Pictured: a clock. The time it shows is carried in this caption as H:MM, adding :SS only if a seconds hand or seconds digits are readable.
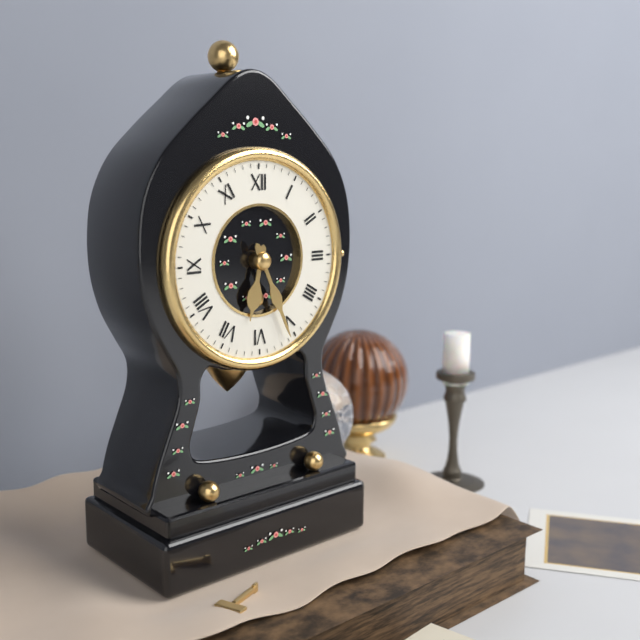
6:26
